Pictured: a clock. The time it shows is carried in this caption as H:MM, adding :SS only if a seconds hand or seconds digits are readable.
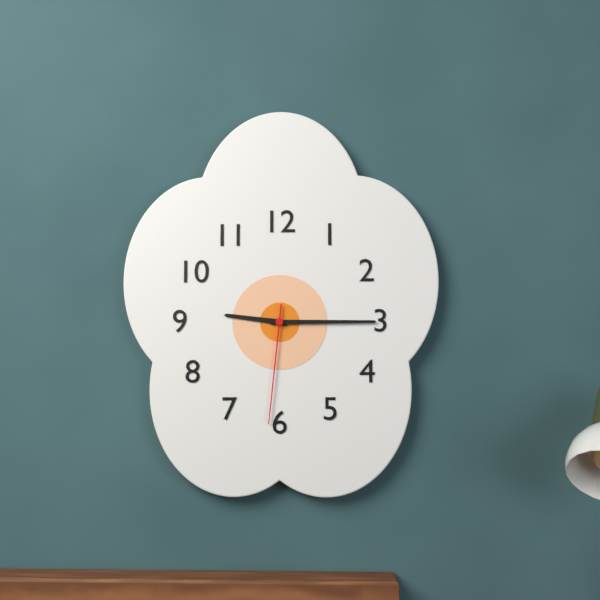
9:15:31
